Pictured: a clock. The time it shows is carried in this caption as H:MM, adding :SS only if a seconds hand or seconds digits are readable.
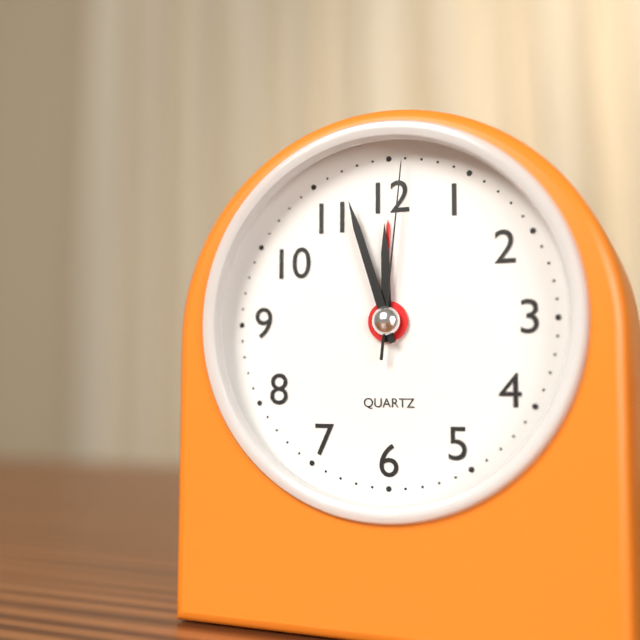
11:57:01
